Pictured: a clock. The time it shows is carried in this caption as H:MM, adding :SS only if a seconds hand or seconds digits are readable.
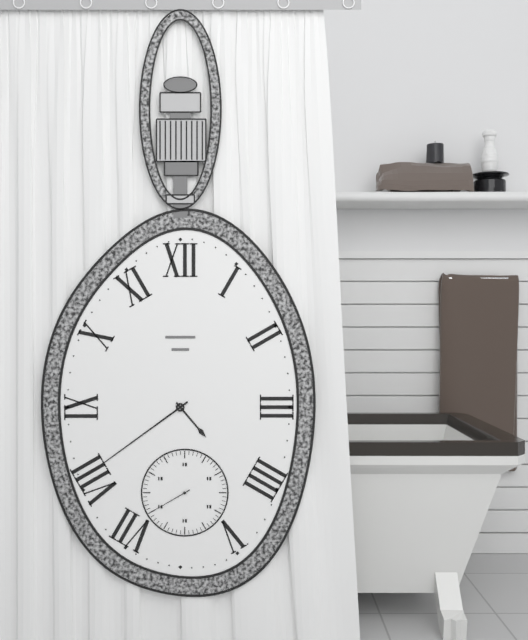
4:39
